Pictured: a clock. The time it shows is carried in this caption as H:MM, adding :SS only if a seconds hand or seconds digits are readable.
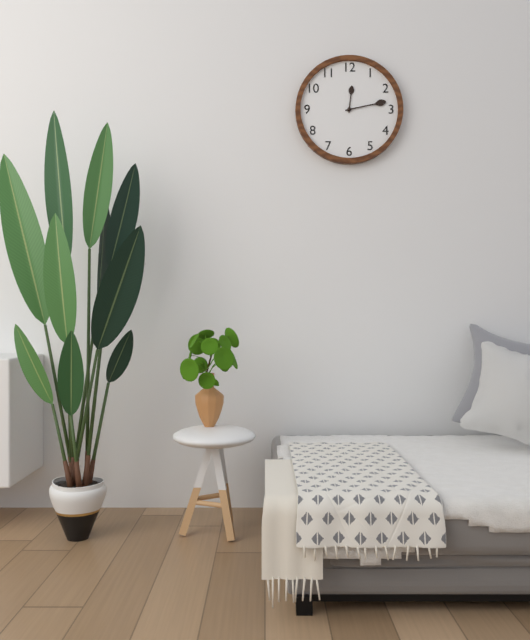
12:13
